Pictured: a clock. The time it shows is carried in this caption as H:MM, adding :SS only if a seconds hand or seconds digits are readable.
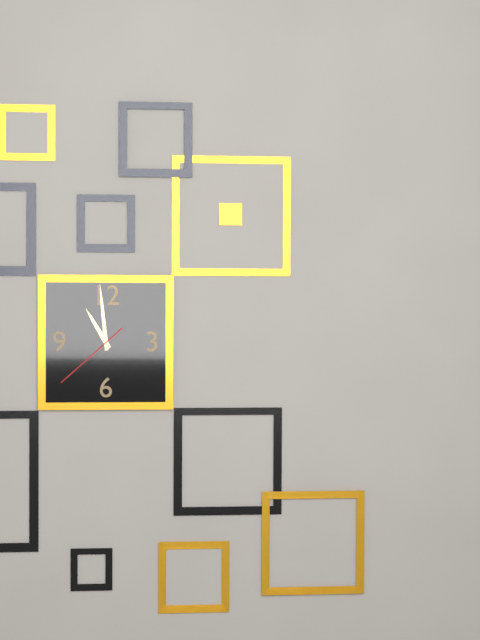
10:59:38
